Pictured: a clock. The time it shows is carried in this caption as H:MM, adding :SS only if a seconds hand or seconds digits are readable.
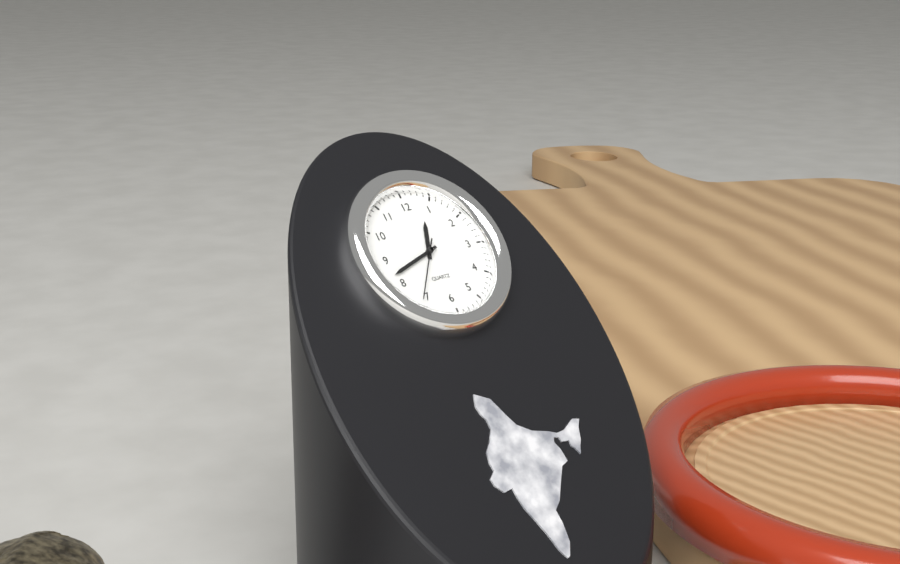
12:42:36
